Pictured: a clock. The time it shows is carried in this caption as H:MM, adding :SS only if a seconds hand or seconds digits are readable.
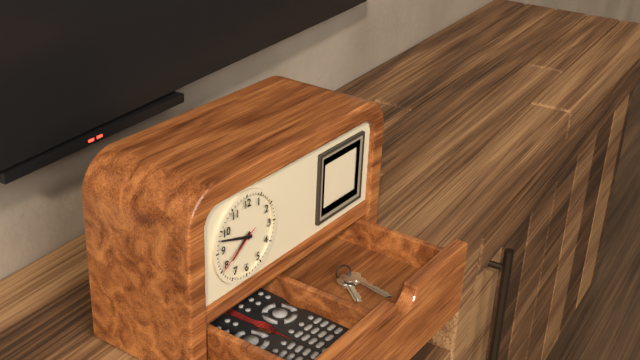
7:48:40
